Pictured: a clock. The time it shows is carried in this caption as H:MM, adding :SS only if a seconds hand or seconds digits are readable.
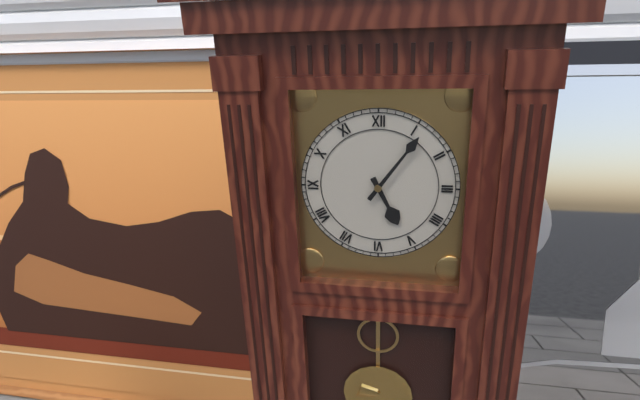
5:06
